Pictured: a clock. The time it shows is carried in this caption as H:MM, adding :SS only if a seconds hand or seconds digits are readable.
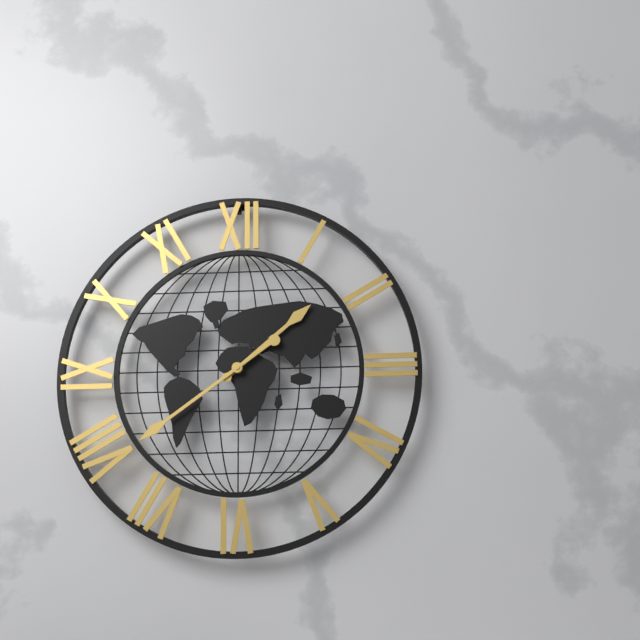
1:39
